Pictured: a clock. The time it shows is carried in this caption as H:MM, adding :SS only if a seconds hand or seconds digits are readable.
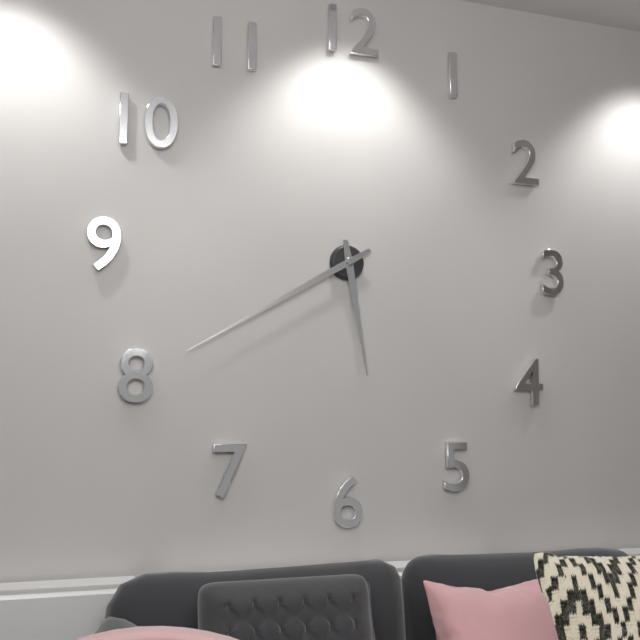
5:40
